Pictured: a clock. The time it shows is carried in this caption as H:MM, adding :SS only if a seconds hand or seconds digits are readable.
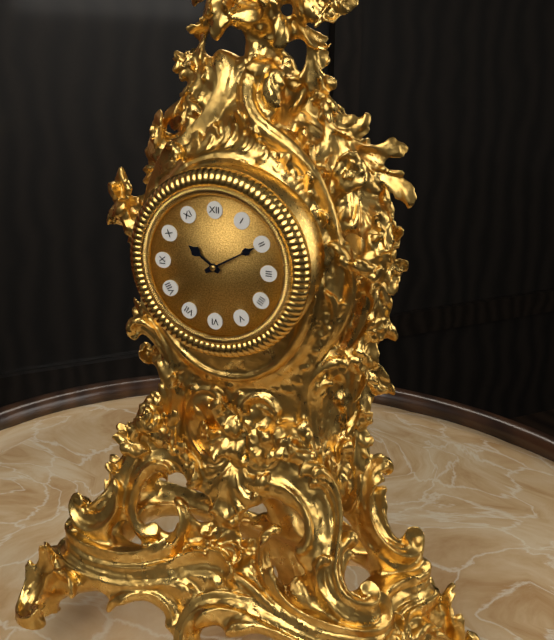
10:10
